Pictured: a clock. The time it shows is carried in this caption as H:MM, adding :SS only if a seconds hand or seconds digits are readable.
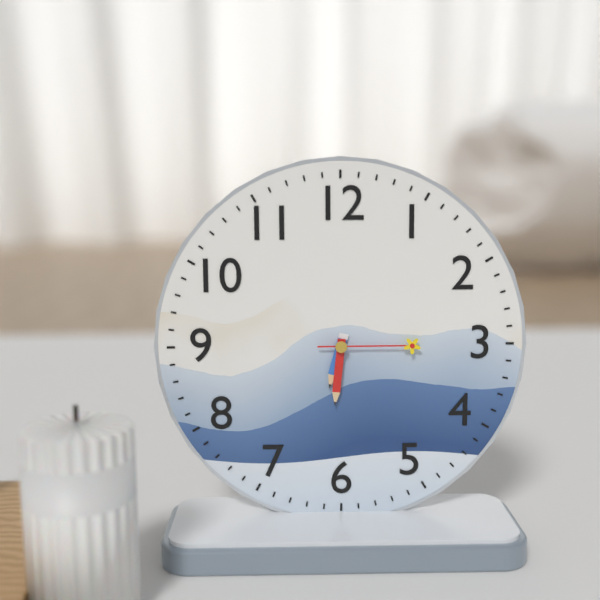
6:31:15
